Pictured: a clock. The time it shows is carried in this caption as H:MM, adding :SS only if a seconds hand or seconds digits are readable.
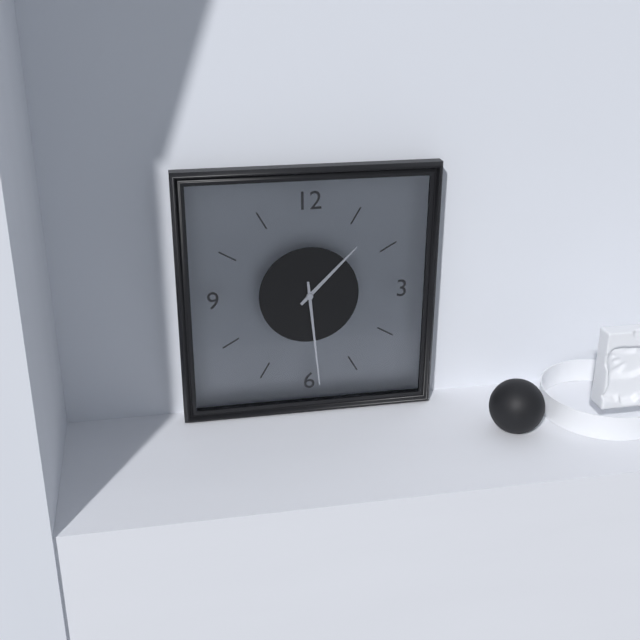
1:29
